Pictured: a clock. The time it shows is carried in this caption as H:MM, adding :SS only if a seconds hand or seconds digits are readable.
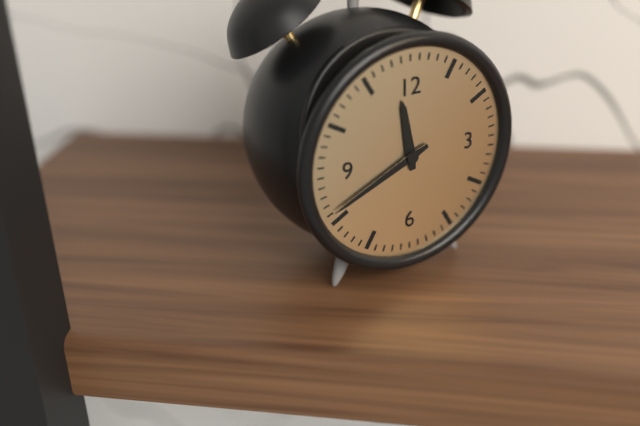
11:41
